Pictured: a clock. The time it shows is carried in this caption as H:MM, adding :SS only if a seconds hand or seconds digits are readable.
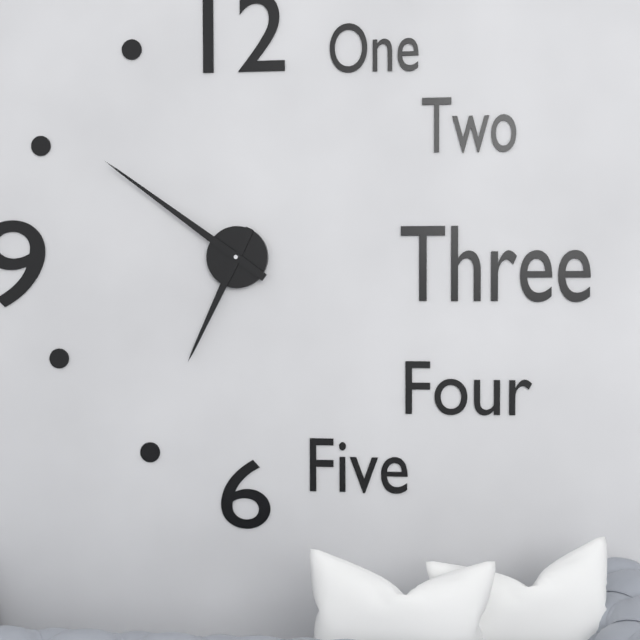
6:51
